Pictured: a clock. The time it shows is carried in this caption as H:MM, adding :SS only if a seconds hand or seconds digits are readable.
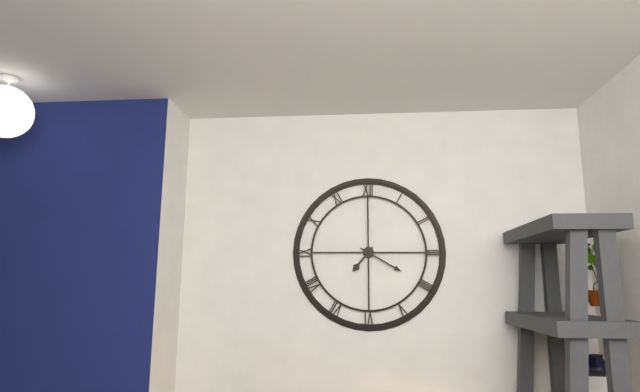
7:20
